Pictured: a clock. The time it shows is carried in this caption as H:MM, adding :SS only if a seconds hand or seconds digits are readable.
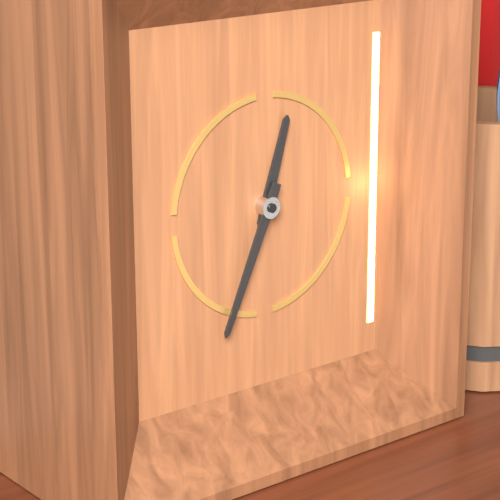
12:34
